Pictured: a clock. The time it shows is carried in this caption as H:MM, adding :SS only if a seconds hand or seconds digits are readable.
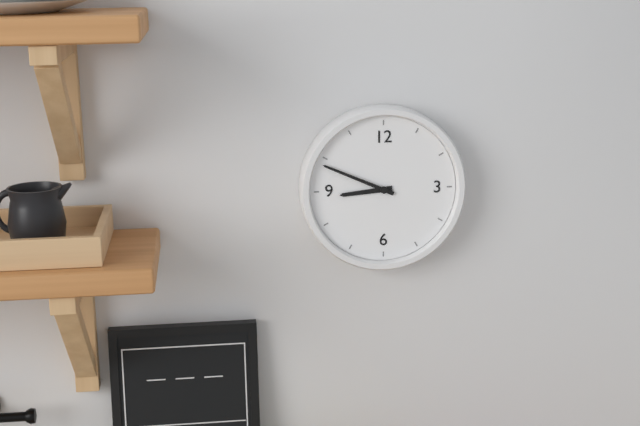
8:49
